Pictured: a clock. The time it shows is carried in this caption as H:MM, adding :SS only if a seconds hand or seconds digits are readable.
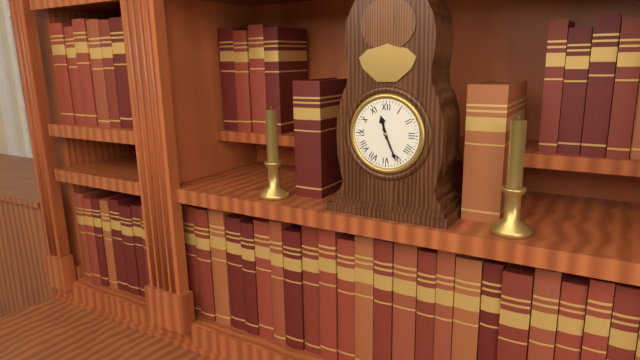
11:26
